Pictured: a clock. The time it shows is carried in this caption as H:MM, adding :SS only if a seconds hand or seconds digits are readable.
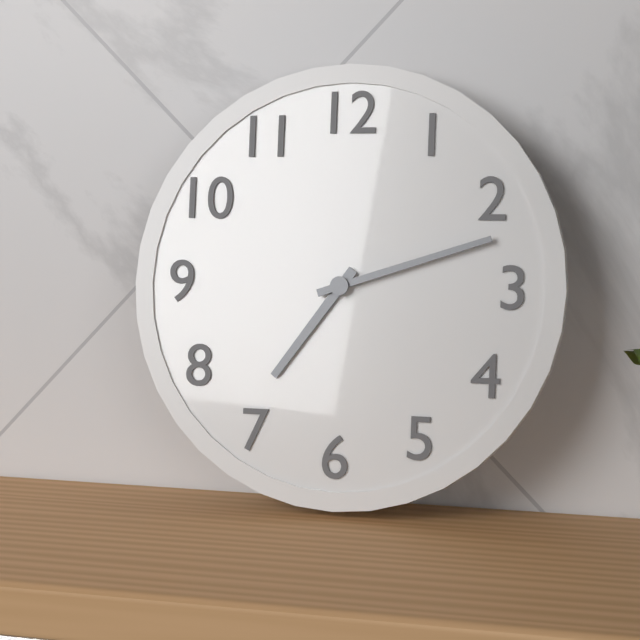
7:12
